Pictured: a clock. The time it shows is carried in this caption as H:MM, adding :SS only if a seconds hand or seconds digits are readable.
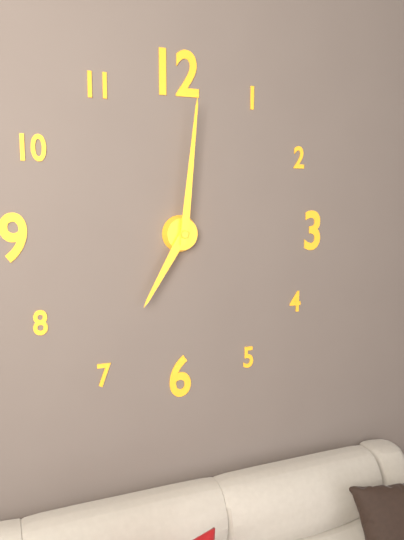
7:01
